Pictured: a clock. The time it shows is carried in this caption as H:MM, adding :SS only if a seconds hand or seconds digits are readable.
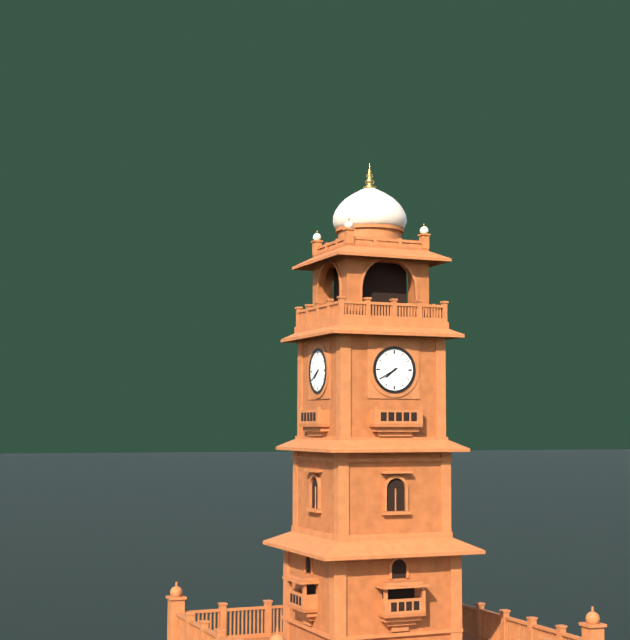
7:40
